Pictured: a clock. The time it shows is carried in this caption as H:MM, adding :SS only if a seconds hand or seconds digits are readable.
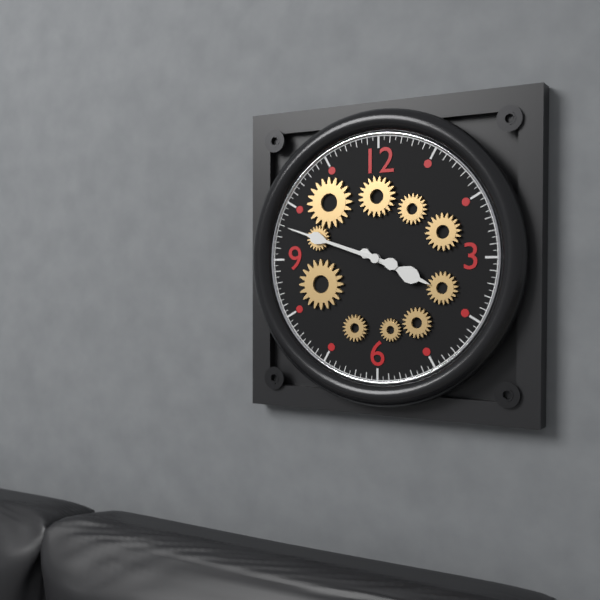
3:48
